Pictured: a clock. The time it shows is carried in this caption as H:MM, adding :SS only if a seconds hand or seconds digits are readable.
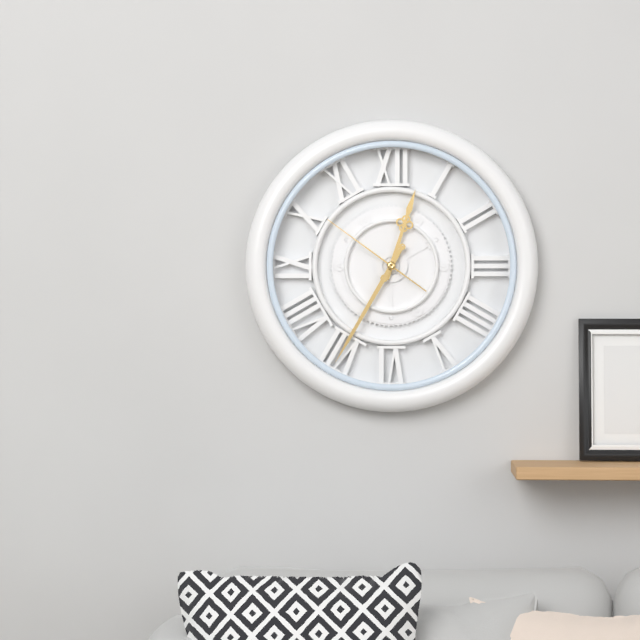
12:35:51
